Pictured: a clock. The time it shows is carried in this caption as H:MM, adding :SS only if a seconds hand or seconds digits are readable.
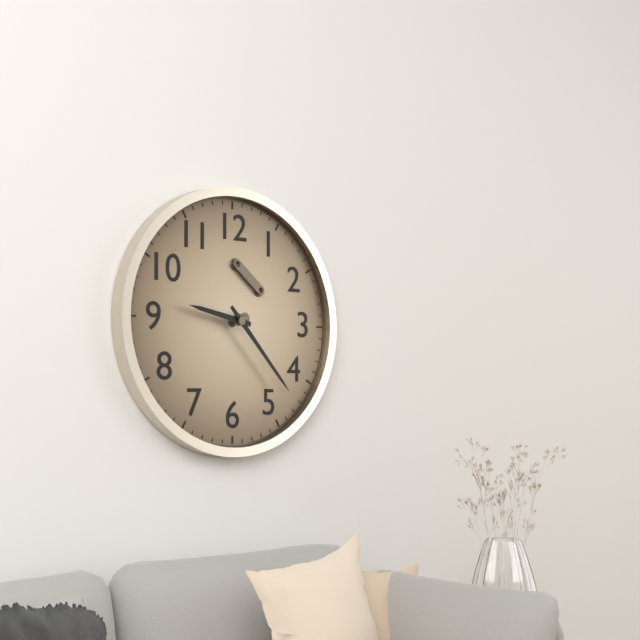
9:23
